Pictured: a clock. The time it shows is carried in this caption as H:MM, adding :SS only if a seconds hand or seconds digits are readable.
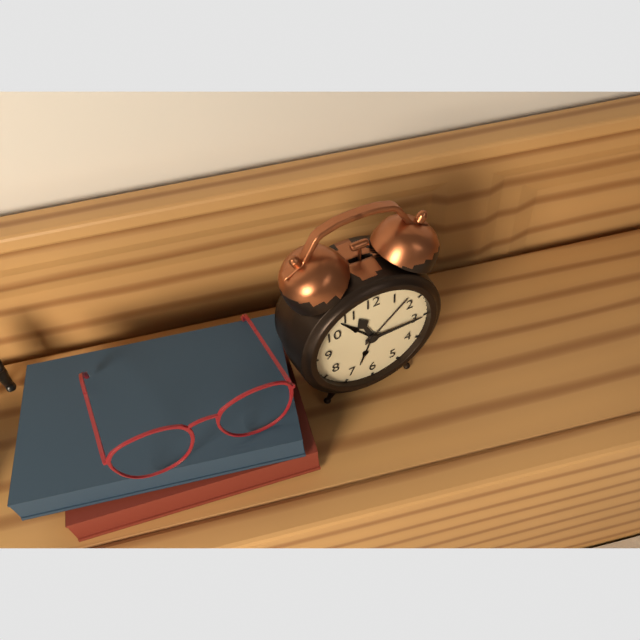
11:15
